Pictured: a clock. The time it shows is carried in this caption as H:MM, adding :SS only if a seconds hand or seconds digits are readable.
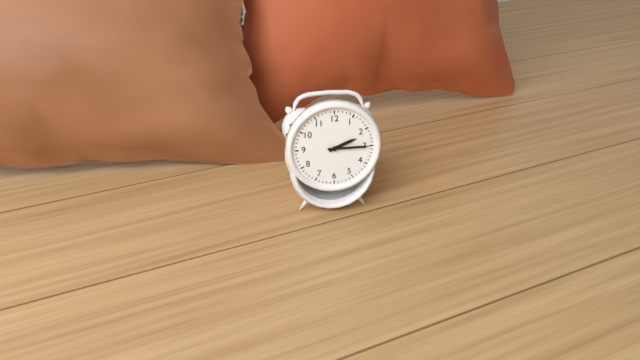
2:15
